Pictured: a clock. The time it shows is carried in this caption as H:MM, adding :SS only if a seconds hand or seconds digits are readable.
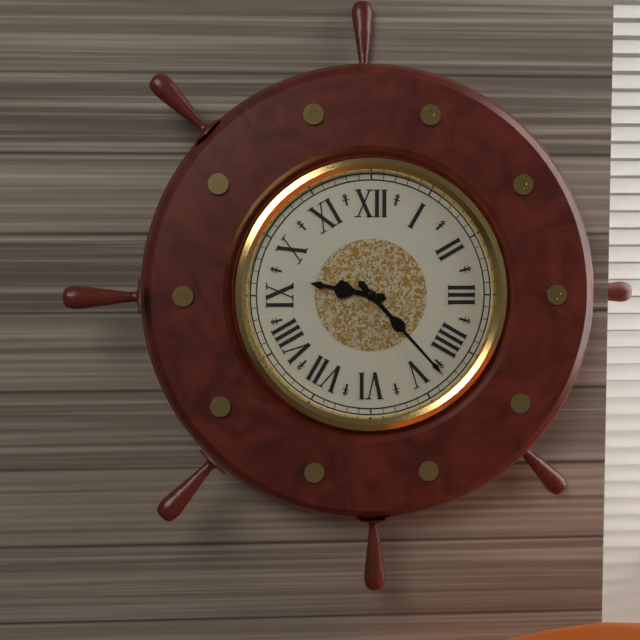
9:23
